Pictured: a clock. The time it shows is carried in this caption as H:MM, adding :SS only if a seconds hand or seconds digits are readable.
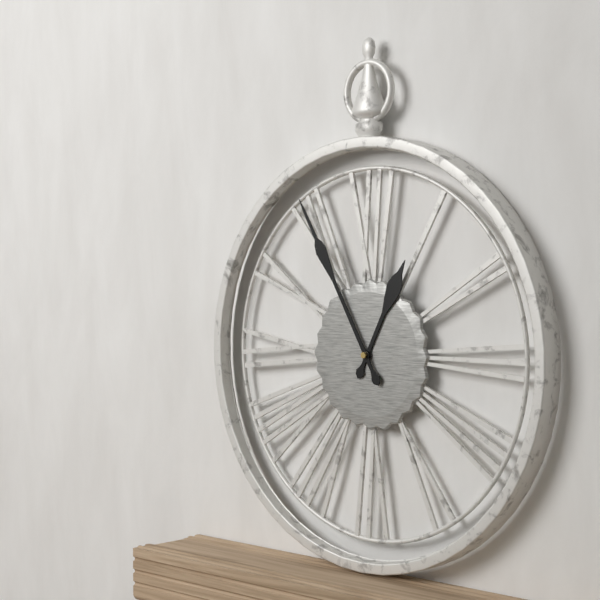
12:55
